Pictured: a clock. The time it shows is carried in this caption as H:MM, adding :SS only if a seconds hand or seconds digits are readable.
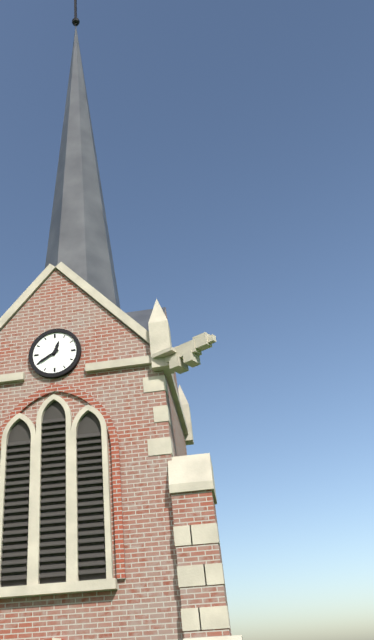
12:40
